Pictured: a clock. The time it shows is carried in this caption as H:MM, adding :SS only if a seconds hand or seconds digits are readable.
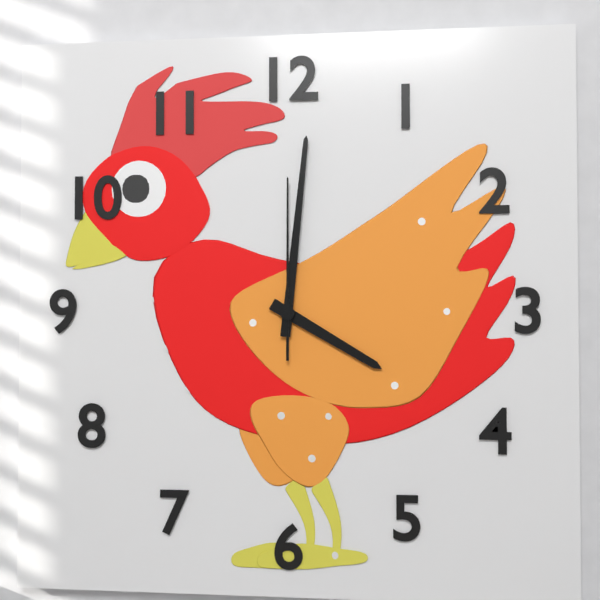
4:01:00
